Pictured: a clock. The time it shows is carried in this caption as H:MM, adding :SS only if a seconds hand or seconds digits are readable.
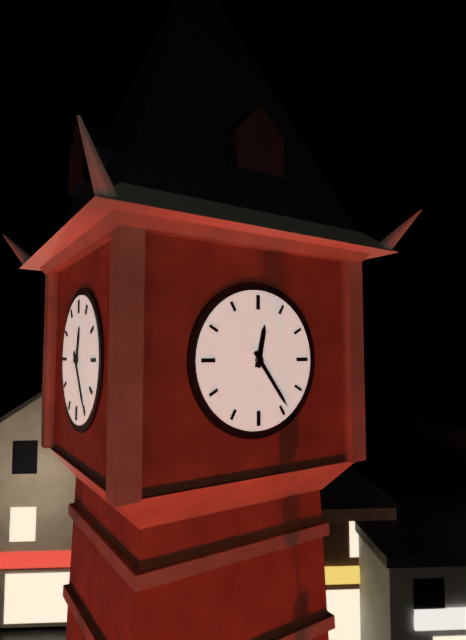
12:24
